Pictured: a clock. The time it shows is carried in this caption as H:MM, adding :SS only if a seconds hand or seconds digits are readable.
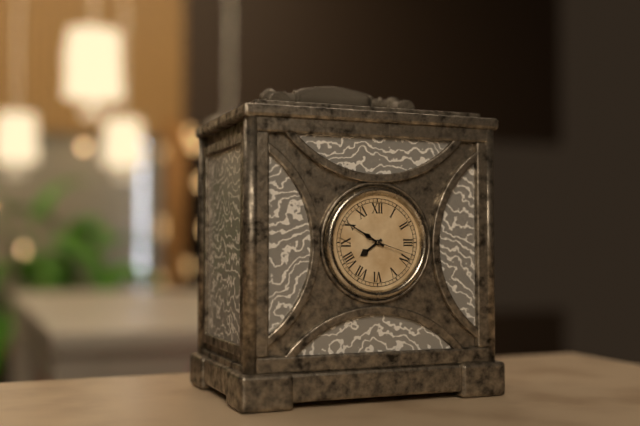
7:50
